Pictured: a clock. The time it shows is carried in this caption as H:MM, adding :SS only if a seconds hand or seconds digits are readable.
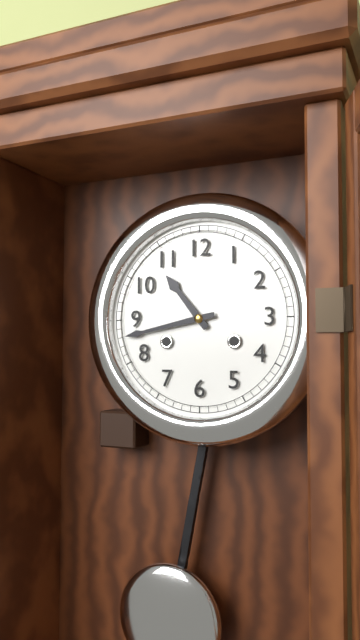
10:43
